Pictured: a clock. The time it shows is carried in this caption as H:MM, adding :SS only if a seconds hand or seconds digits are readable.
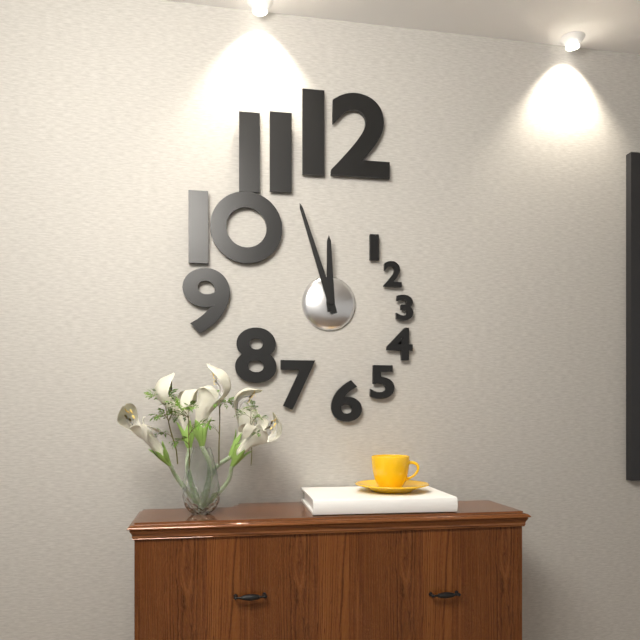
11:57
